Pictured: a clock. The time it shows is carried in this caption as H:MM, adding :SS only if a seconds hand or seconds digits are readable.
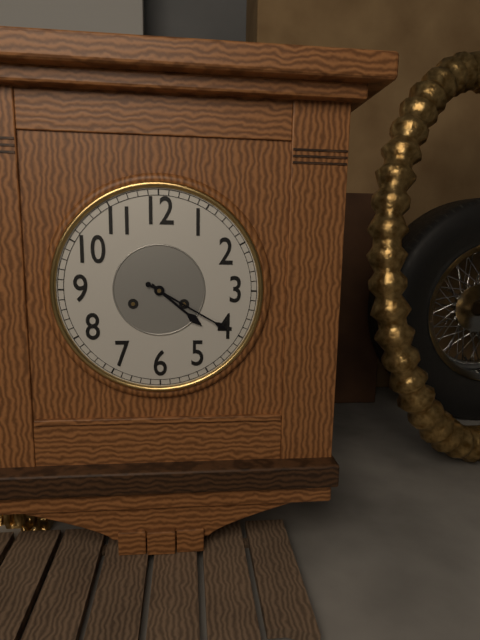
4:20
